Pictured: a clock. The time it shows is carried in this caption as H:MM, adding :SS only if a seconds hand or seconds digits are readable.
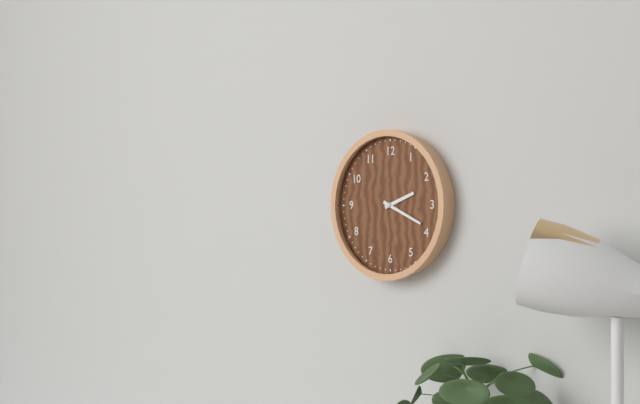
2:19
